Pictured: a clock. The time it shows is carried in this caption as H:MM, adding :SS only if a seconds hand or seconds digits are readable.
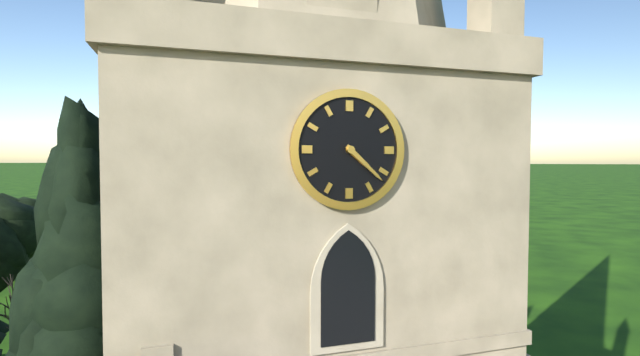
4:22
